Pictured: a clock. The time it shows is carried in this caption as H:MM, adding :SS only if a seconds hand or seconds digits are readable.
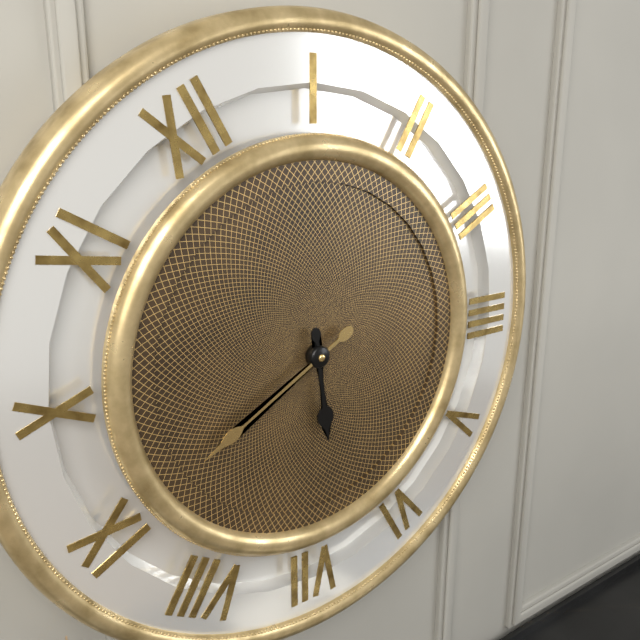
6:45
